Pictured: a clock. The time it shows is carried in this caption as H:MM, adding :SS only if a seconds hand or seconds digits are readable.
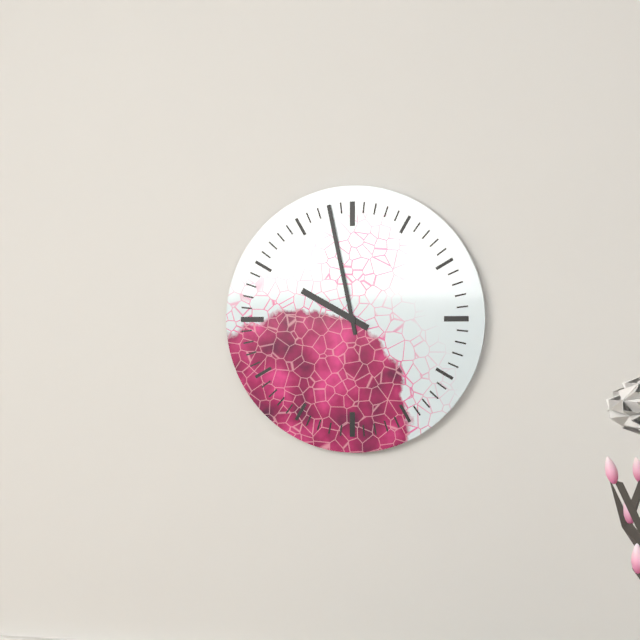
9:58
